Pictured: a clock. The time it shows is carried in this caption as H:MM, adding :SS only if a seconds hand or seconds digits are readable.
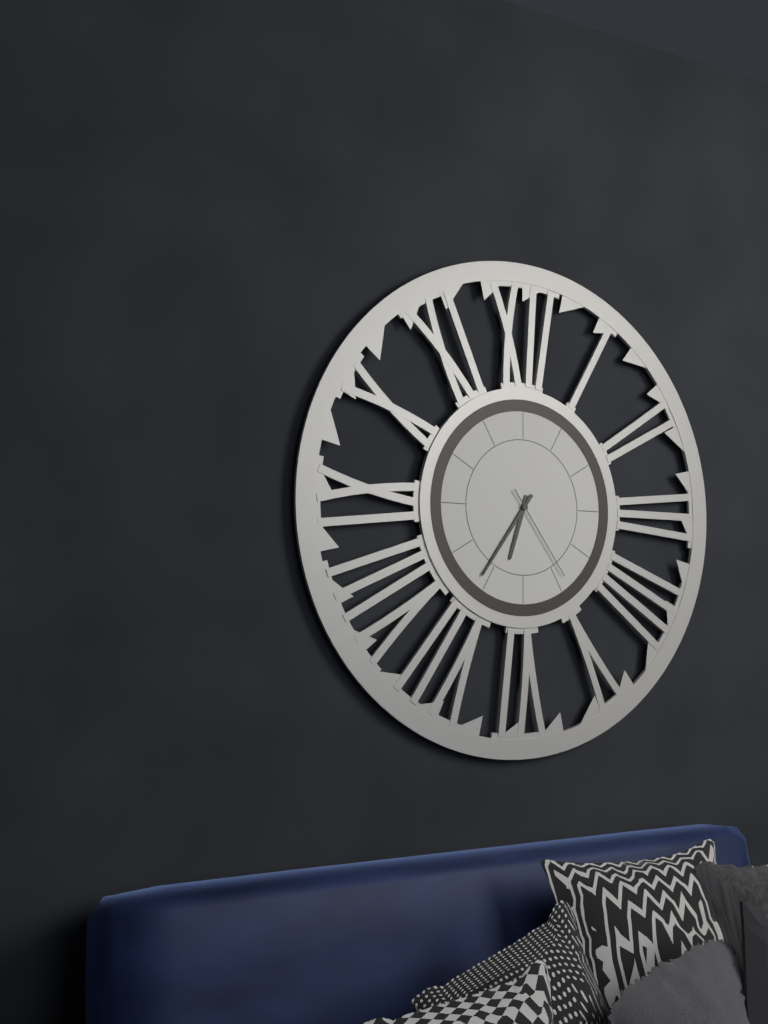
6:36:24
